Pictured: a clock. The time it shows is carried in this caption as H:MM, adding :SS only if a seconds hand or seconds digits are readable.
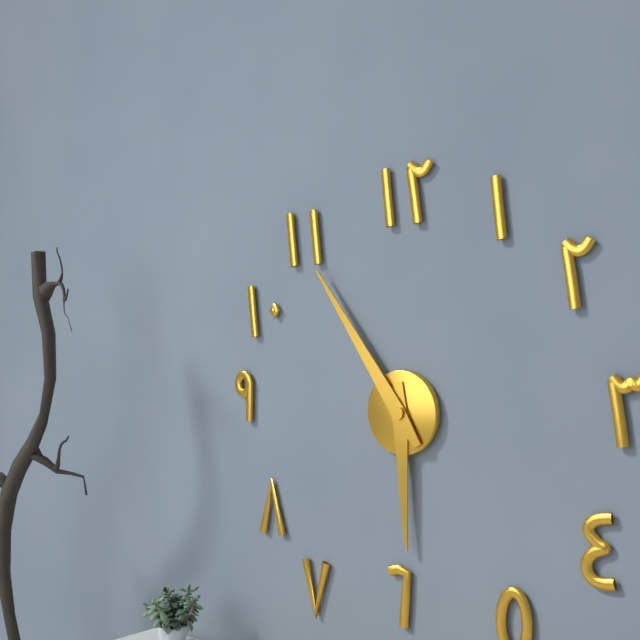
5:54
